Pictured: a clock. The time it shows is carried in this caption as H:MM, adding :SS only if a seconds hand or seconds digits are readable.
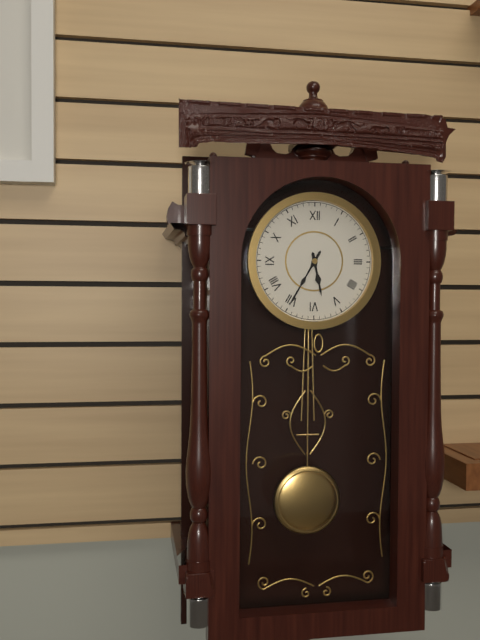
5:35
